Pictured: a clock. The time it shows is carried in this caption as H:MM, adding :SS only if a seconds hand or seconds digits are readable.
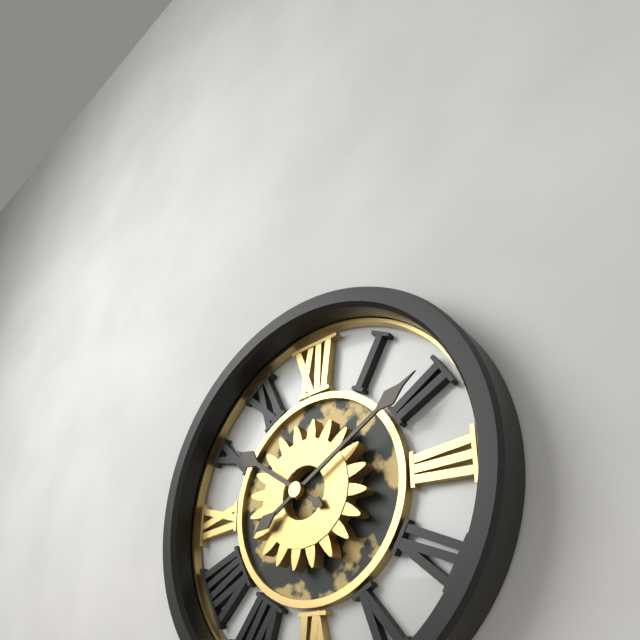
10:10
